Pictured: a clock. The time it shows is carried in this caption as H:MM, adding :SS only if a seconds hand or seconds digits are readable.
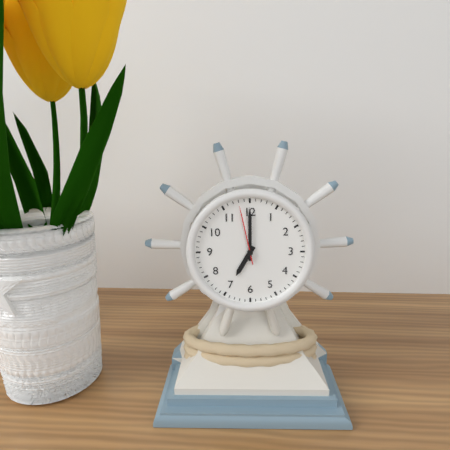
7:00:58
